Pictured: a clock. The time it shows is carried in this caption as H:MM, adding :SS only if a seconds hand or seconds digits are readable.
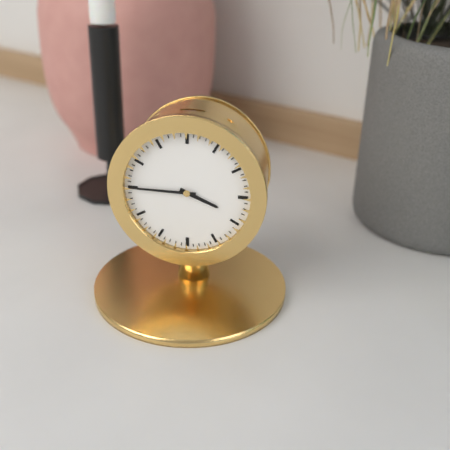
3:45
